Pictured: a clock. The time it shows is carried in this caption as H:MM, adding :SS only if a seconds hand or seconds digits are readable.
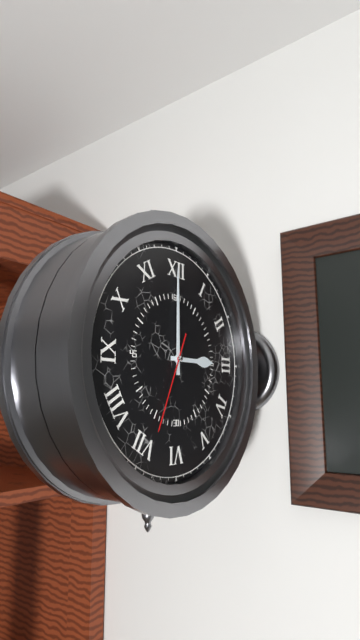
3:00:34
